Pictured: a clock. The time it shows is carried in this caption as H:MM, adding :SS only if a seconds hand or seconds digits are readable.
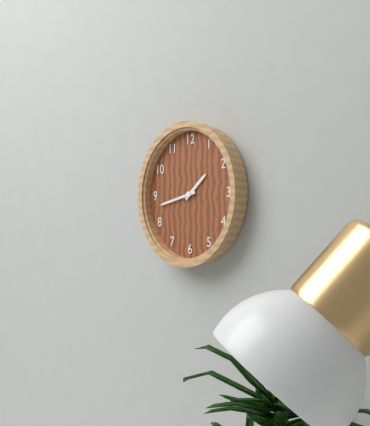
1:43
